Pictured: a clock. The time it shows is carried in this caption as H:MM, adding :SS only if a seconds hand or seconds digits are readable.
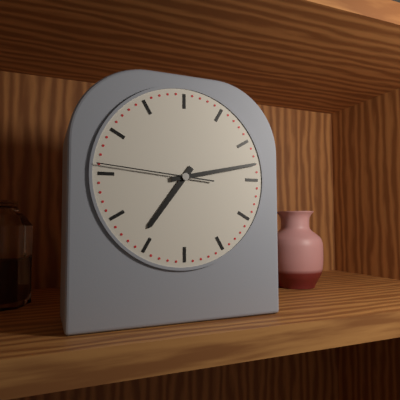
7:13:46
